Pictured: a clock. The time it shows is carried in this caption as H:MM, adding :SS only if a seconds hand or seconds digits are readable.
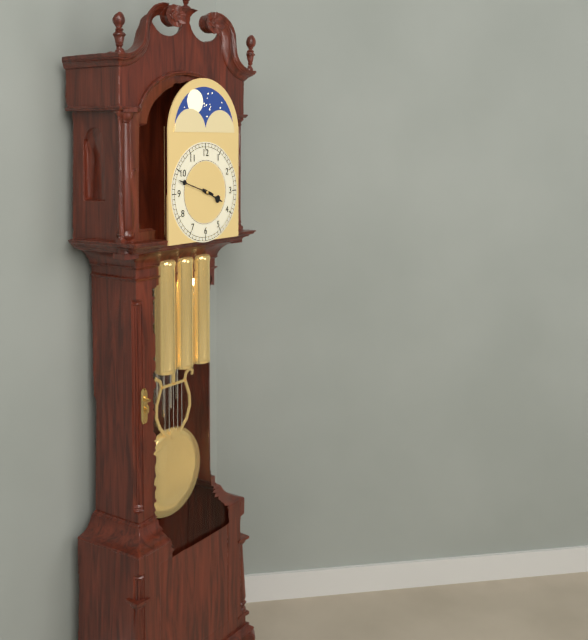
3:48
